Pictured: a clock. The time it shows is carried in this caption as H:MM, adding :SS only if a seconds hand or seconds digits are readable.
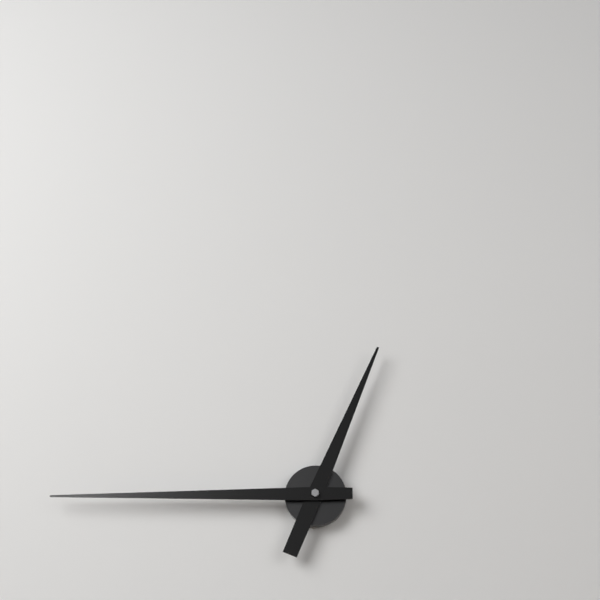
12:45
